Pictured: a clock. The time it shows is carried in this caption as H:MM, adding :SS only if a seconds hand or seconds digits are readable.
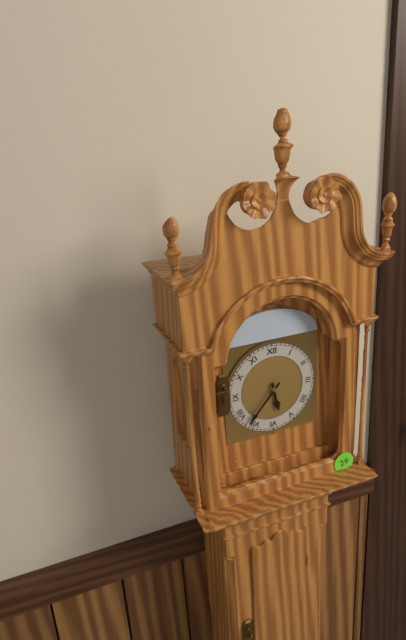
5:37
